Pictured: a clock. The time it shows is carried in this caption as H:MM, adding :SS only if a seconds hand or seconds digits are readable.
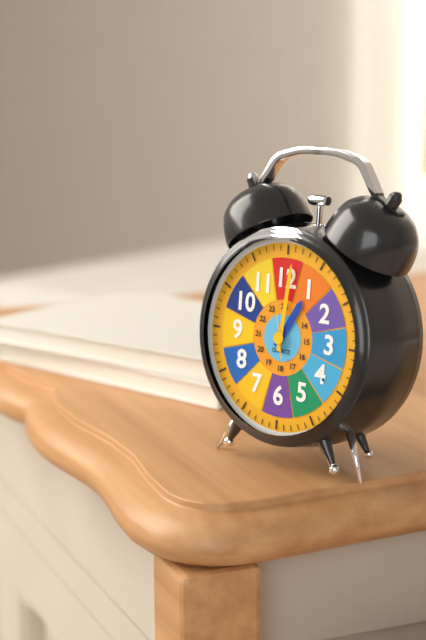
1:01:58
